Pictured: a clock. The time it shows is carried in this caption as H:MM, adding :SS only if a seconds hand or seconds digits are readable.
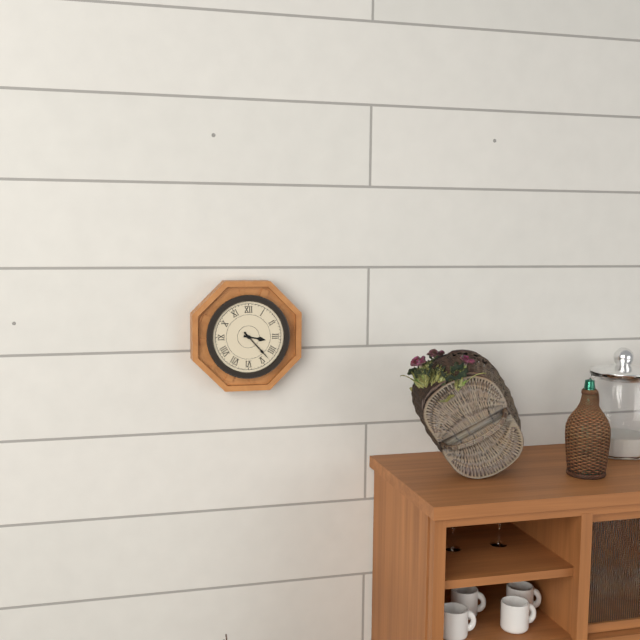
3:23
